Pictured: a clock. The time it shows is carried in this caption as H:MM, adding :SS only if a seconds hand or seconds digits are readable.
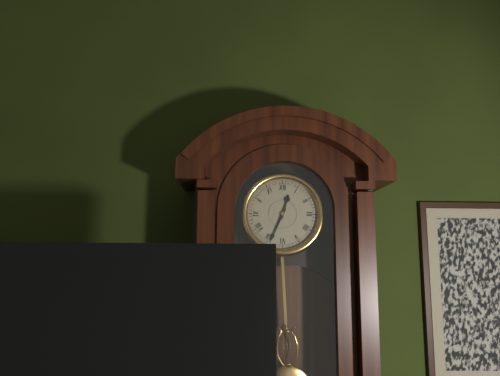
12:34
